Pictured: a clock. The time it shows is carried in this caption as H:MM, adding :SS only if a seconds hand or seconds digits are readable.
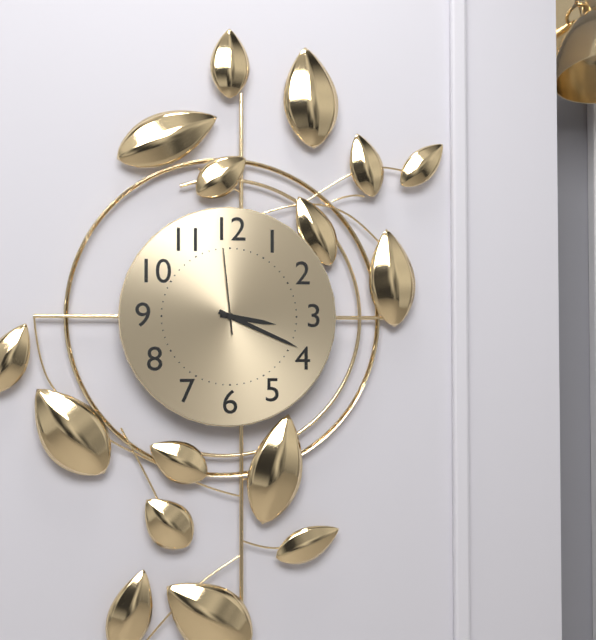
3:19:59
